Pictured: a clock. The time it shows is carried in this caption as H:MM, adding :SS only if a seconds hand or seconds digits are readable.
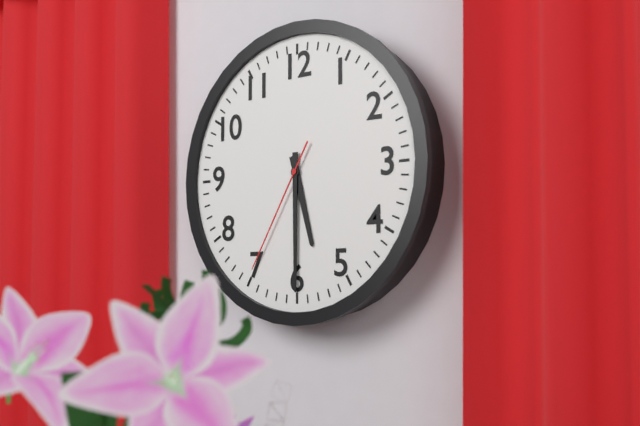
5:30:35
